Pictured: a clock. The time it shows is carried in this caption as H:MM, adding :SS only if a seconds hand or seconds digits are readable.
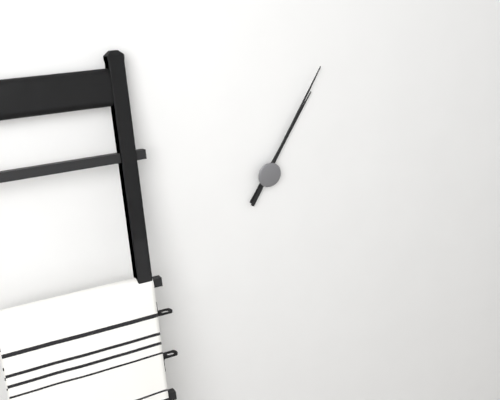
1:05
